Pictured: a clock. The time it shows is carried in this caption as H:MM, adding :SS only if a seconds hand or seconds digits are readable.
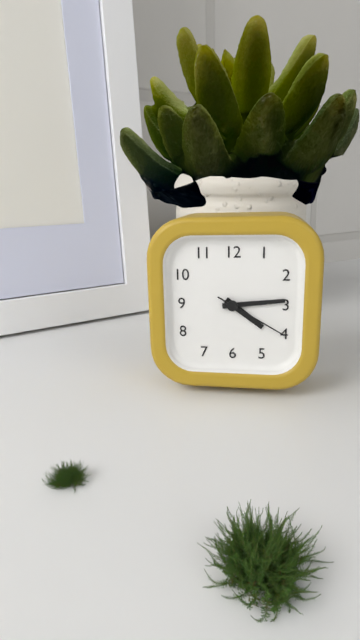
4:14:20
